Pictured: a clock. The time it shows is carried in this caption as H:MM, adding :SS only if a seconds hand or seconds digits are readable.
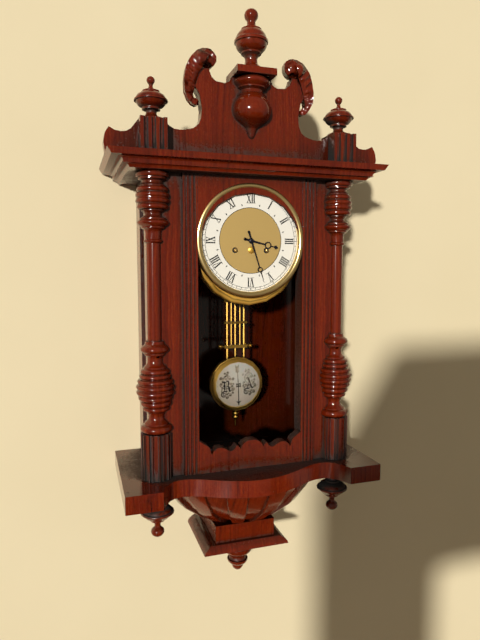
3:27
